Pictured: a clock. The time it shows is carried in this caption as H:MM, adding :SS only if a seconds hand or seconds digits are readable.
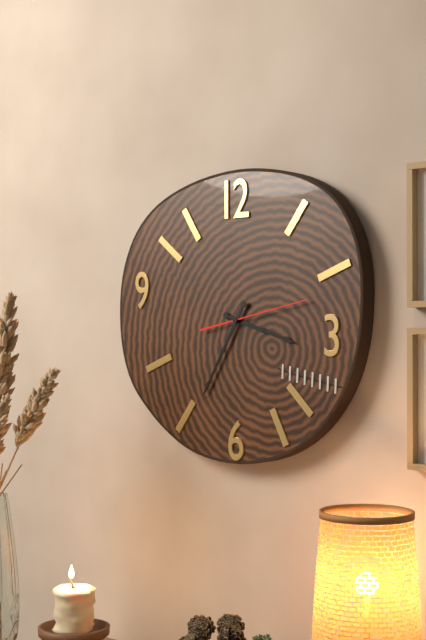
3:35:13
